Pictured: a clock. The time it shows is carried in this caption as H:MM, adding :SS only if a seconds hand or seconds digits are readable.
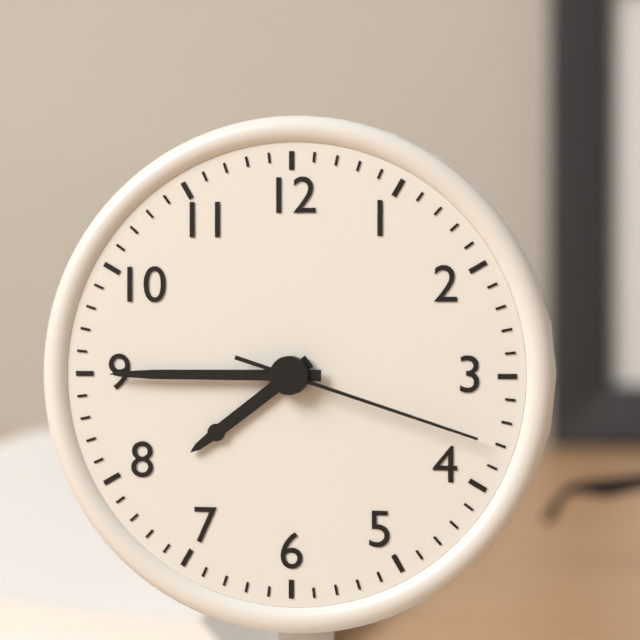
7:45:18
